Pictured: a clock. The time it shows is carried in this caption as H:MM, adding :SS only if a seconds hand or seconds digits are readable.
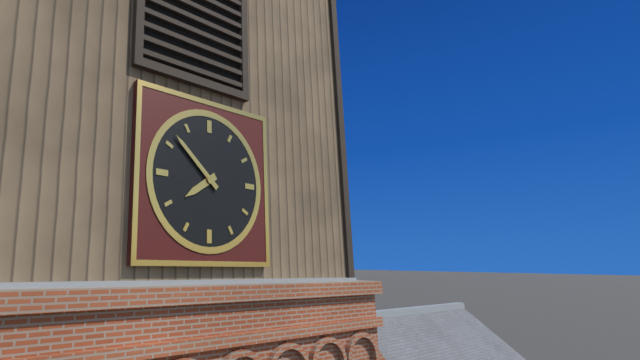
7:52
